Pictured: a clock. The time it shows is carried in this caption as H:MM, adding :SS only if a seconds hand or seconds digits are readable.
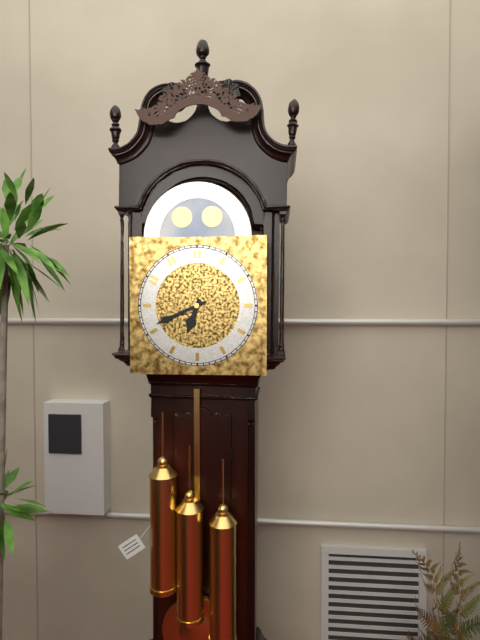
6:41
